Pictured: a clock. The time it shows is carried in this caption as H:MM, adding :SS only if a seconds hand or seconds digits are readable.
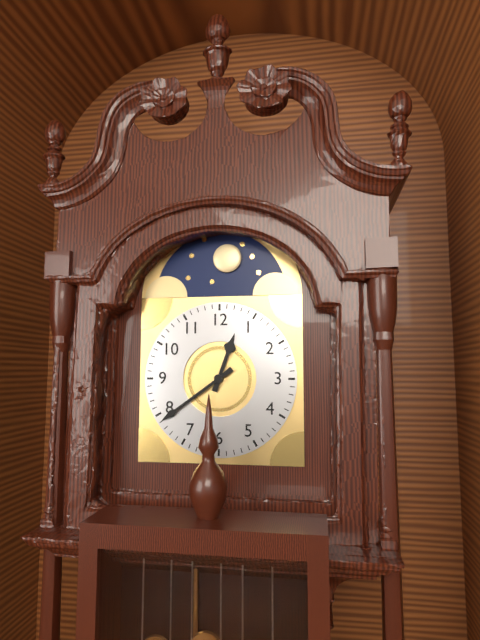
12:39
